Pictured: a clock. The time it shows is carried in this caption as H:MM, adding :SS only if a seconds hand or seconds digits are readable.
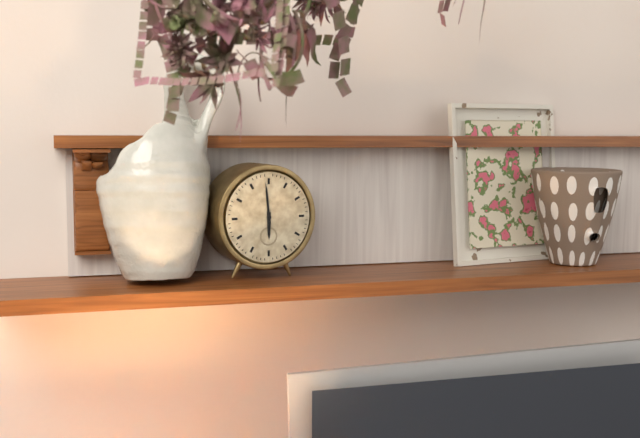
5:59
